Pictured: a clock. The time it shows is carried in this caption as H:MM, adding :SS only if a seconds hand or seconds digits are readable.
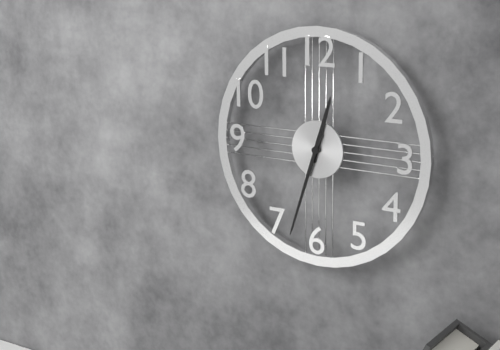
12:33
